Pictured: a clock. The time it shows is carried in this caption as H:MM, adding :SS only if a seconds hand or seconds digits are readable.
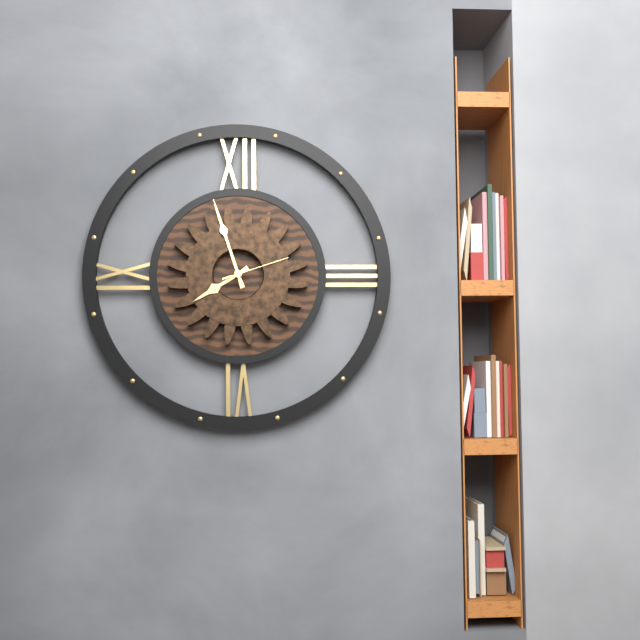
7:57:12
